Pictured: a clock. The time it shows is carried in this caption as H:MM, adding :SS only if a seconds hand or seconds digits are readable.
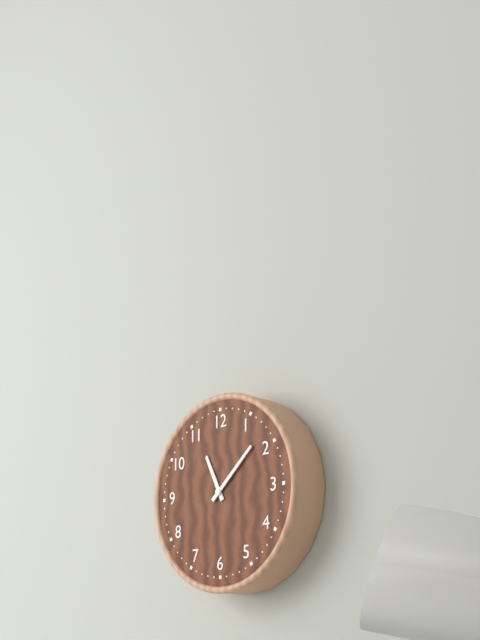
11:08
